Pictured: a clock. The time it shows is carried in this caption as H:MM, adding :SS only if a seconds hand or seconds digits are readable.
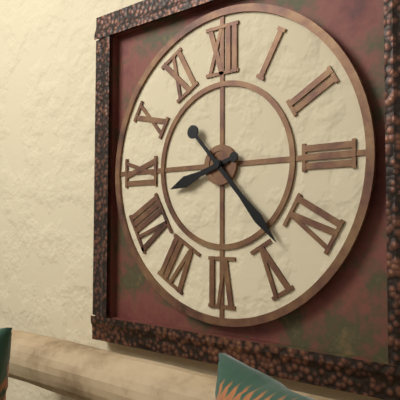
8:23
